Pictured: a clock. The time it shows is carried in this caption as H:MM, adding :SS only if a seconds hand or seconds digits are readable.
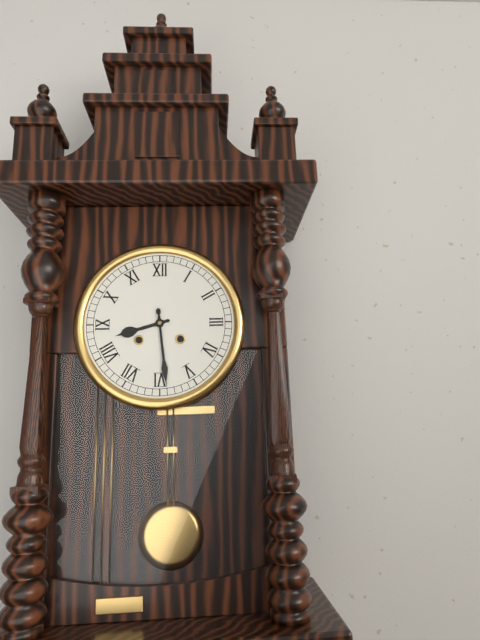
8:29
